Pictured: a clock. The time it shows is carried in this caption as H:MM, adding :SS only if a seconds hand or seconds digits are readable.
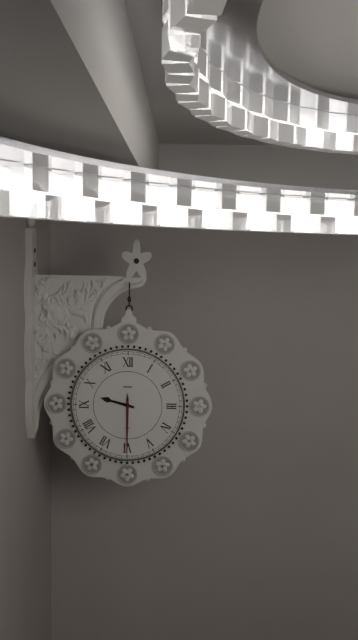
9:30:30
